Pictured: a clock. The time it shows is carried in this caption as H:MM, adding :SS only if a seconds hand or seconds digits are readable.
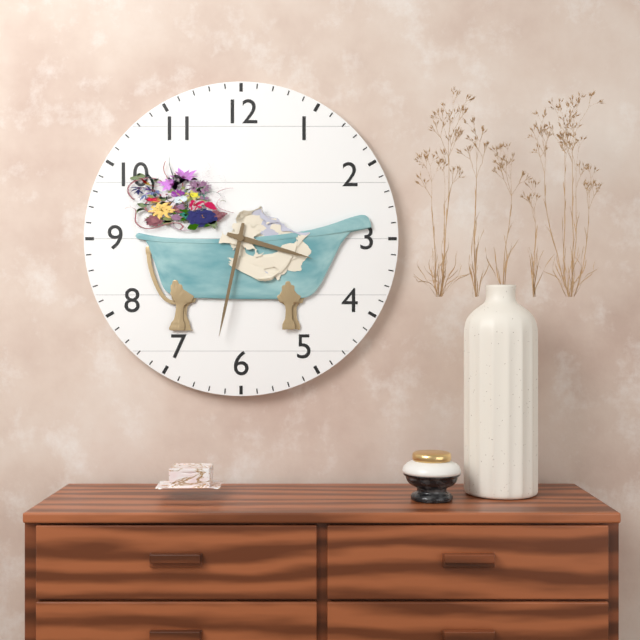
3:32
